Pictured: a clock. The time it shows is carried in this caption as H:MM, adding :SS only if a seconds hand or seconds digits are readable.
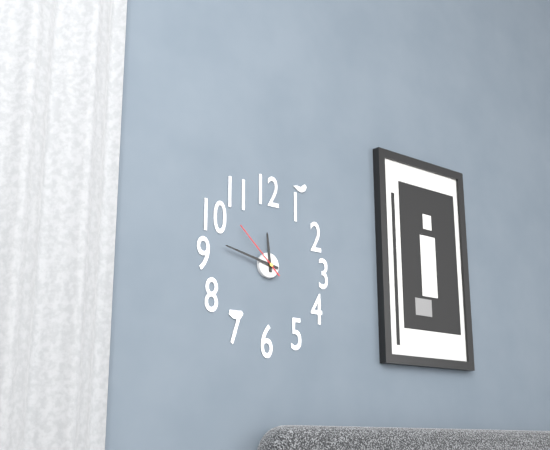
11:47:52
